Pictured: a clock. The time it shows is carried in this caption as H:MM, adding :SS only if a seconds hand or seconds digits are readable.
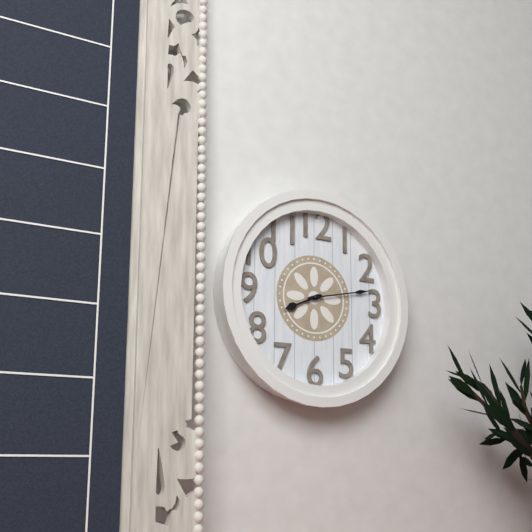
8:13
